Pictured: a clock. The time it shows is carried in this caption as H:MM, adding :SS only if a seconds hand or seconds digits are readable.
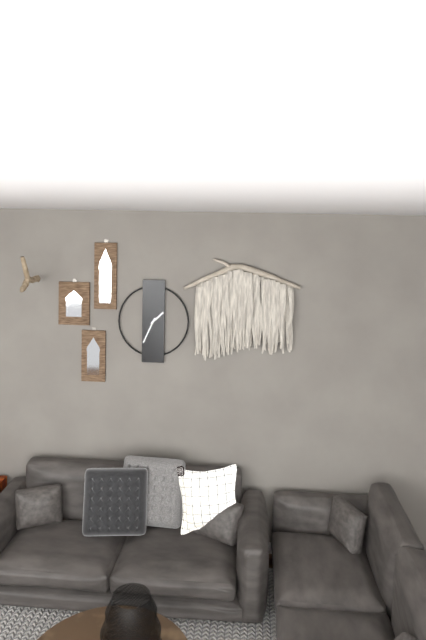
1:34
